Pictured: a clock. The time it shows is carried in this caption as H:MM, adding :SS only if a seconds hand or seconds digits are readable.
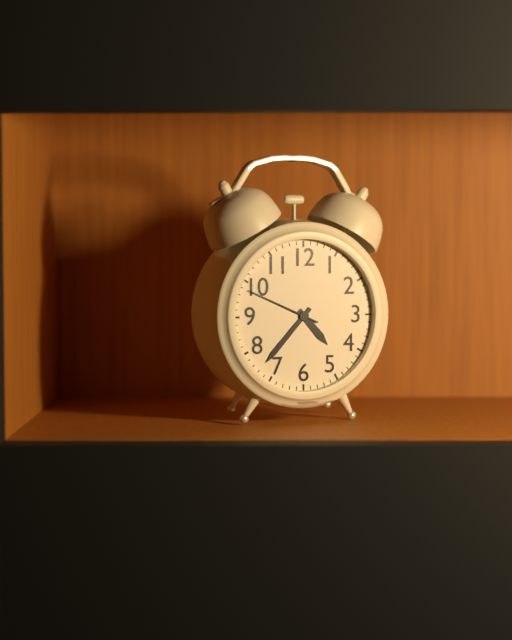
4:37:49
